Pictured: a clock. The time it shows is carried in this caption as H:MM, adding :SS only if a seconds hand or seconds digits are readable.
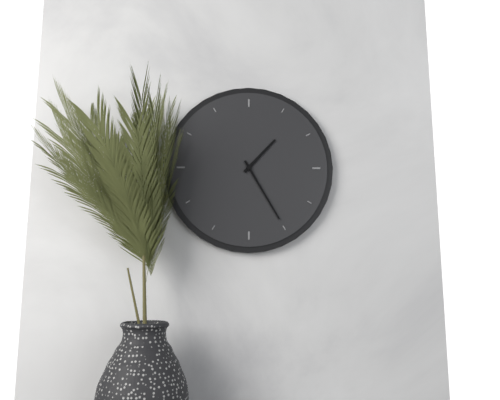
1:25
